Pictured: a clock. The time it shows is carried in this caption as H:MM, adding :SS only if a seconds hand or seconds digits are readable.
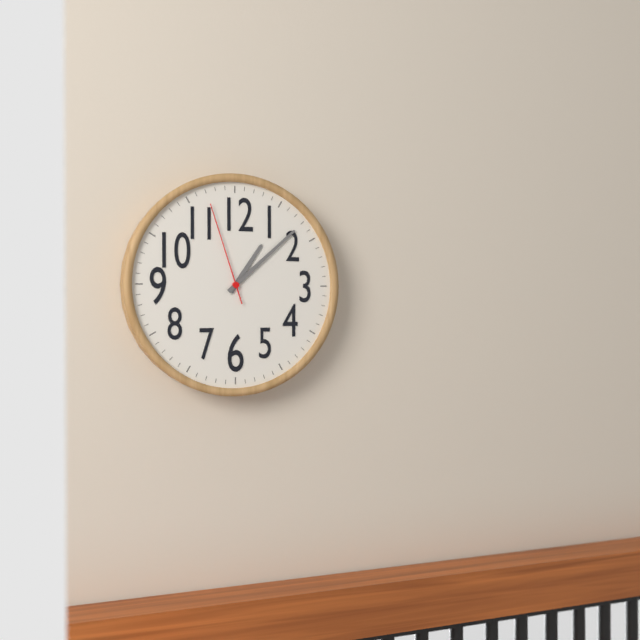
1:08:57
